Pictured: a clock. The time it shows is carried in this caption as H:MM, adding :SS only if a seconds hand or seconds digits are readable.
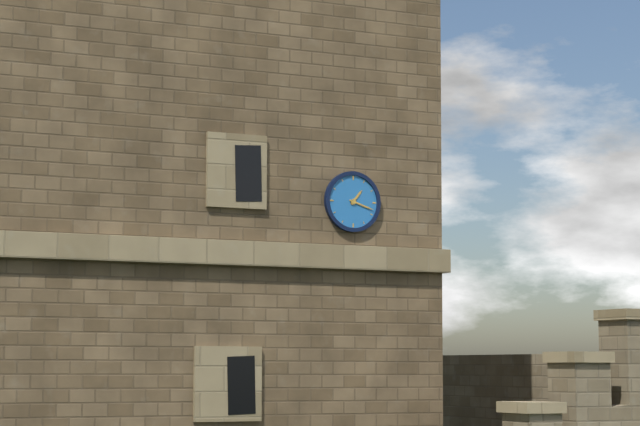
1:18
